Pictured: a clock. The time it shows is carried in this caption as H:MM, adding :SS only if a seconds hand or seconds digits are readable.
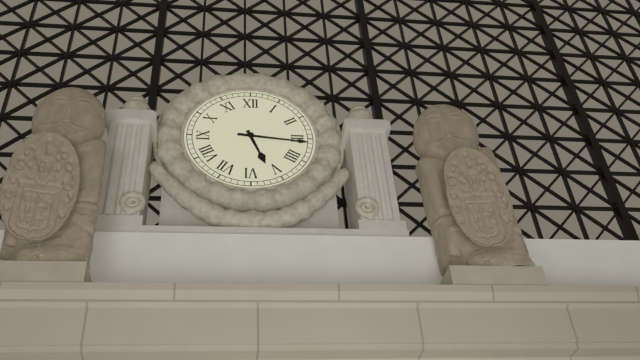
5:16
